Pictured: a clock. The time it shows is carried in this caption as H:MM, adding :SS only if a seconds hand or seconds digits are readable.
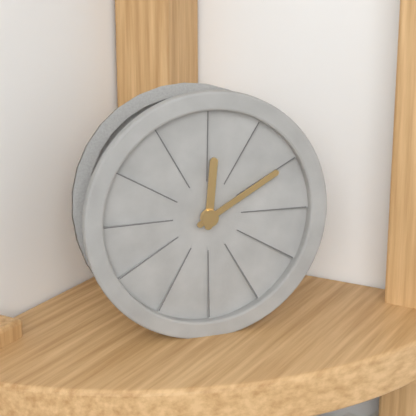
12:10
